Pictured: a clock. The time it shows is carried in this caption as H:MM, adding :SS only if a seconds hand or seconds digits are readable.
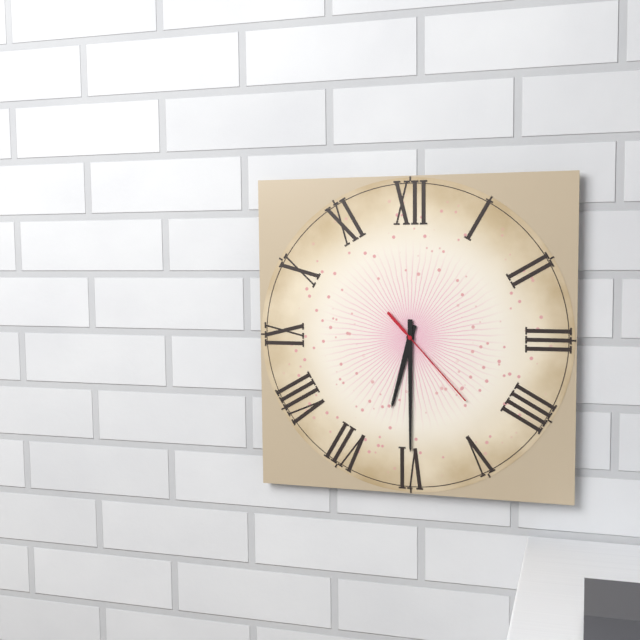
6:30:23
